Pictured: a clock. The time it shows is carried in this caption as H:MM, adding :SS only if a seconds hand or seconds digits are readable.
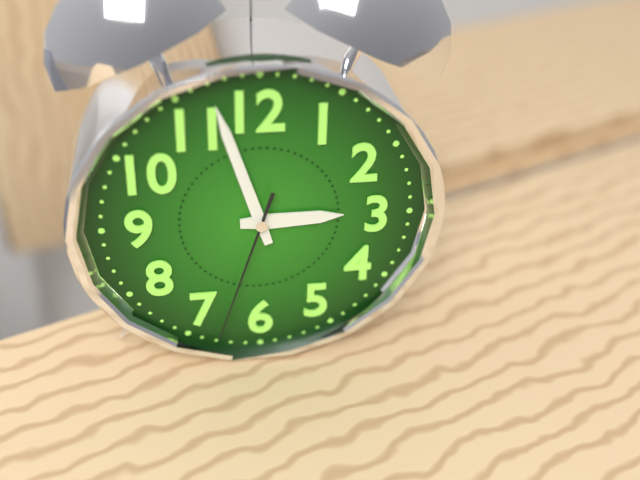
2:57:33
